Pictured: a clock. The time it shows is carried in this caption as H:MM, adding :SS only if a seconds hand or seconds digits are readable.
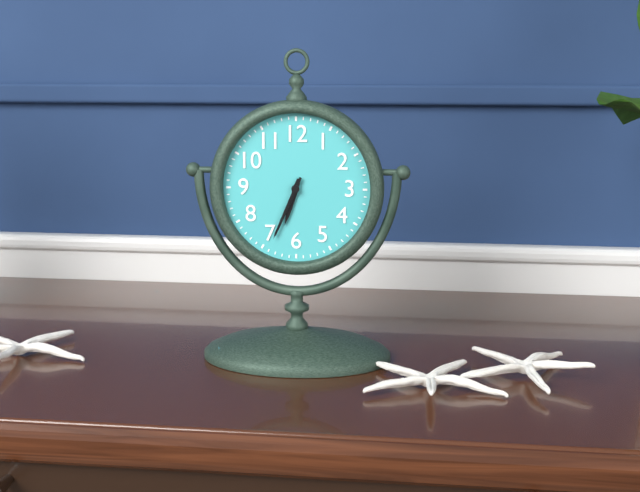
6:34
